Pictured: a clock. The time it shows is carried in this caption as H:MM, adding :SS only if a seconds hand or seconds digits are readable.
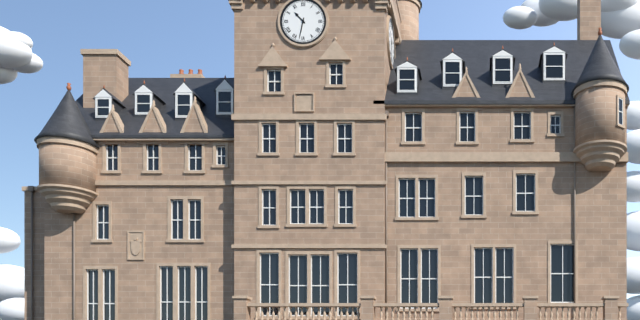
10:32
